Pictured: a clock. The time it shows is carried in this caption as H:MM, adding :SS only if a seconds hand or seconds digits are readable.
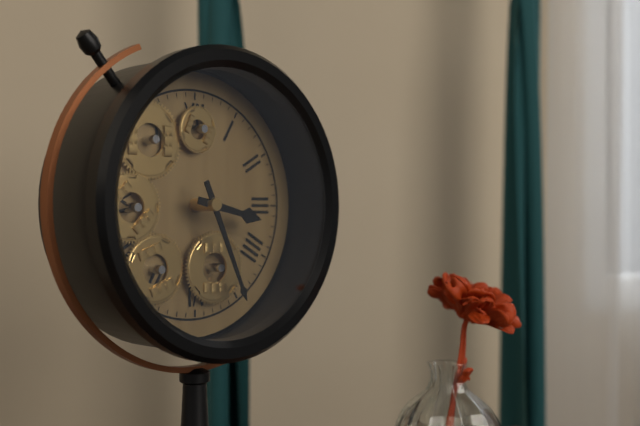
3:26
